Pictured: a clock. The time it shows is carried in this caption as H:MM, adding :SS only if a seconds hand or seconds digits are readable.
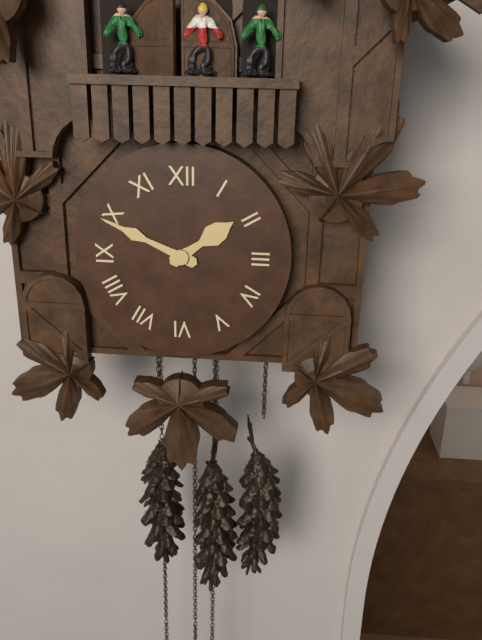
1:49
